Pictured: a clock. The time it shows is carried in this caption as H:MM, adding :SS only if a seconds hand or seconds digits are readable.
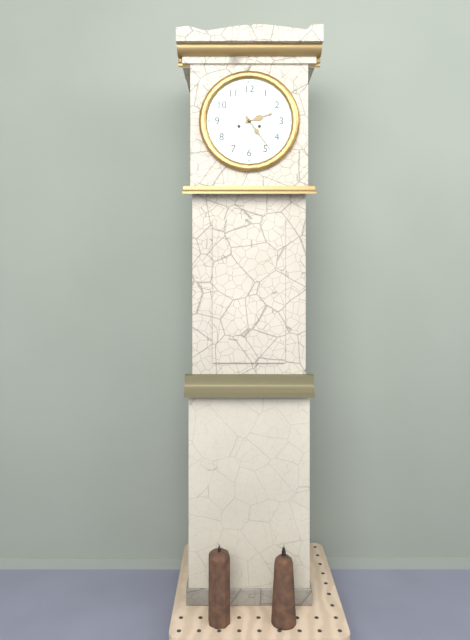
2:24
